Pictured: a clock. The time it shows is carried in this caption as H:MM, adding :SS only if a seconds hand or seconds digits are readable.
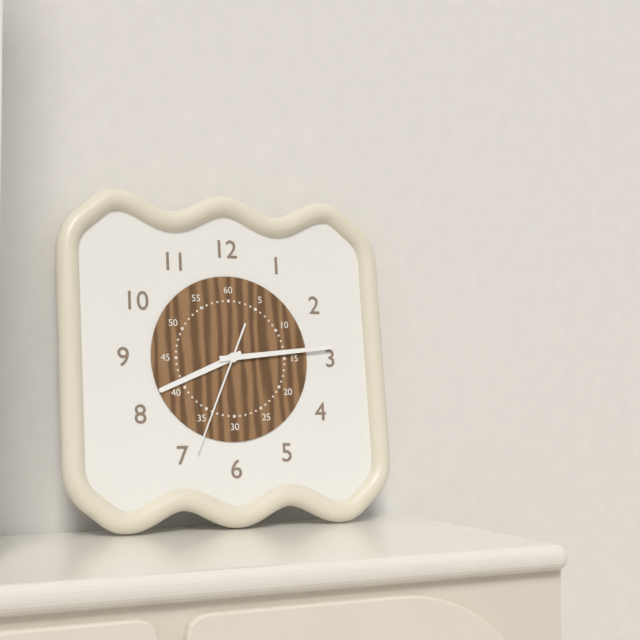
8:14:34
